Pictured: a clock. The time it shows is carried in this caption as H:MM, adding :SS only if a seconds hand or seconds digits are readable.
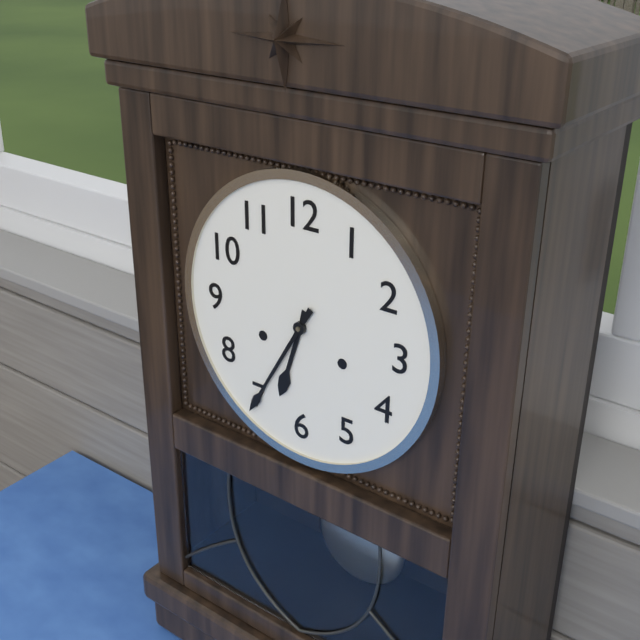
6:35
